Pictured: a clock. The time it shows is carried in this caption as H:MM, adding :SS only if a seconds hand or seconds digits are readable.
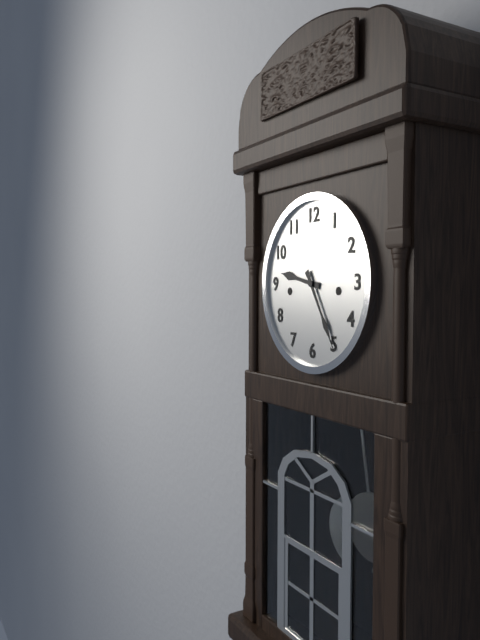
9:25
